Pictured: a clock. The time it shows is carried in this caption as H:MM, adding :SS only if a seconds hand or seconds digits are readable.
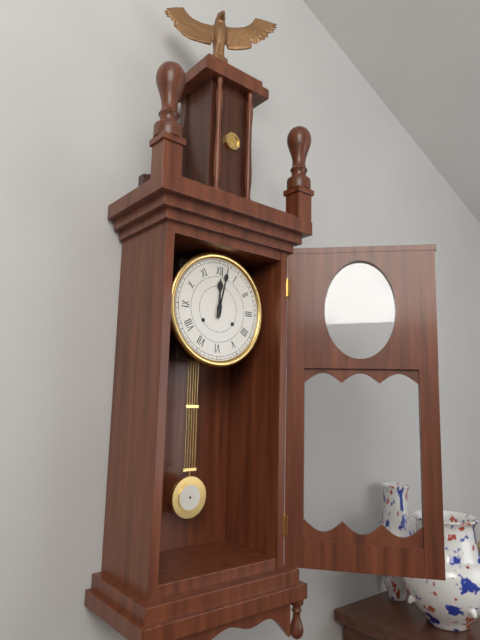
12:02
